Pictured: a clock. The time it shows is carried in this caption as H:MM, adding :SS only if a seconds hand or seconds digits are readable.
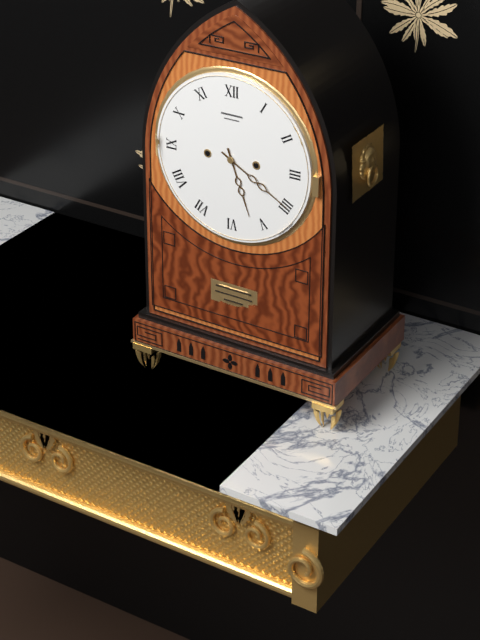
5:20
